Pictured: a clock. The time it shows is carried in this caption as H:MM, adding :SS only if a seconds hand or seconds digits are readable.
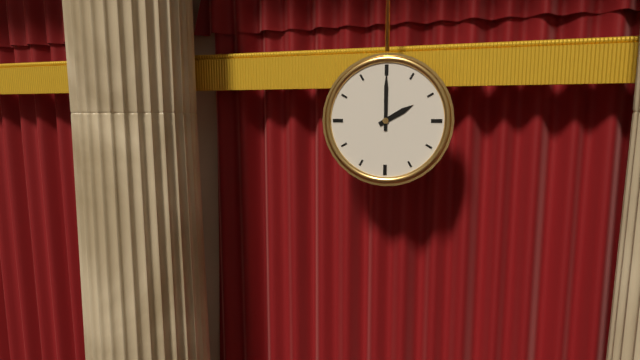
2:00
